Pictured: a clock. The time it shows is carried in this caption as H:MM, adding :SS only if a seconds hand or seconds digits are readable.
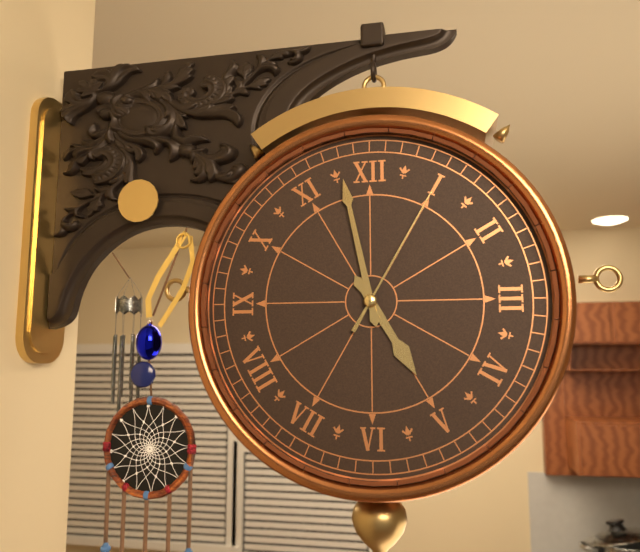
4:58:05
